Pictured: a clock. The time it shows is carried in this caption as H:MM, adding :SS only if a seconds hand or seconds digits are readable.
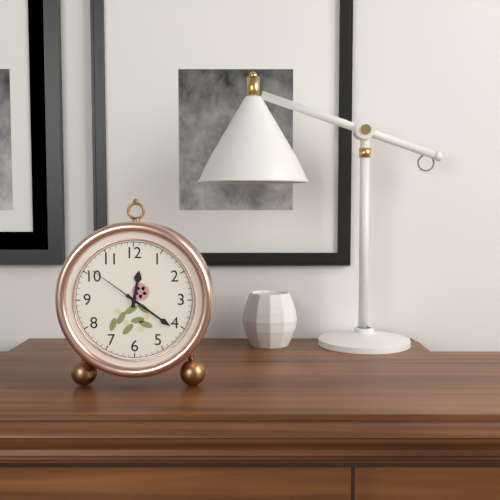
12:21:51
